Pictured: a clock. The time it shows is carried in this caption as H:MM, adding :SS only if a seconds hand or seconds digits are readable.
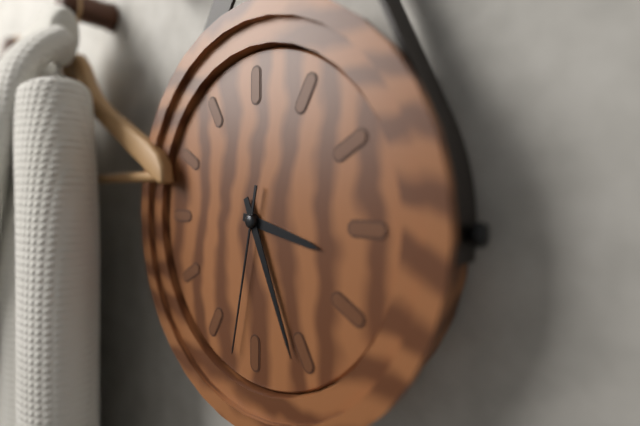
3:26:32
